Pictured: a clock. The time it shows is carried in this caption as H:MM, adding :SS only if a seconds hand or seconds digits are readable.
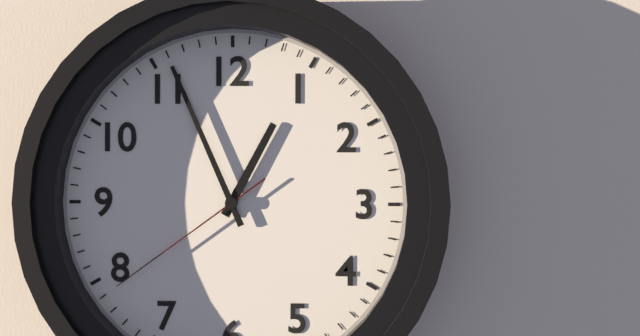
12:56:39
